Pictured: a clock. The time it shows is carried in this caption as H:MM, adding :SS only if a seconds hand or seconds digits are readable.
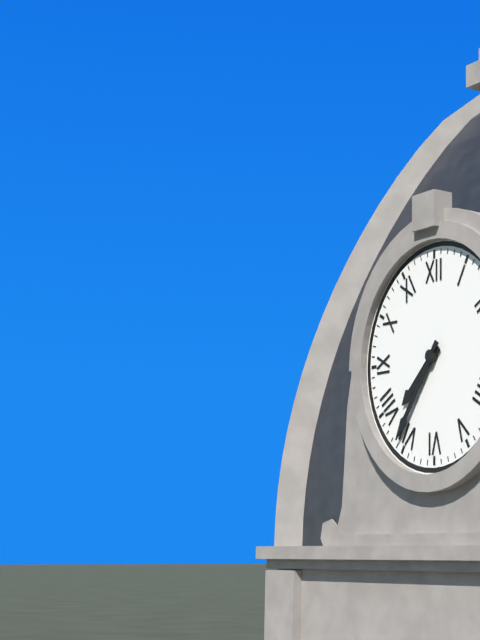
7:36
